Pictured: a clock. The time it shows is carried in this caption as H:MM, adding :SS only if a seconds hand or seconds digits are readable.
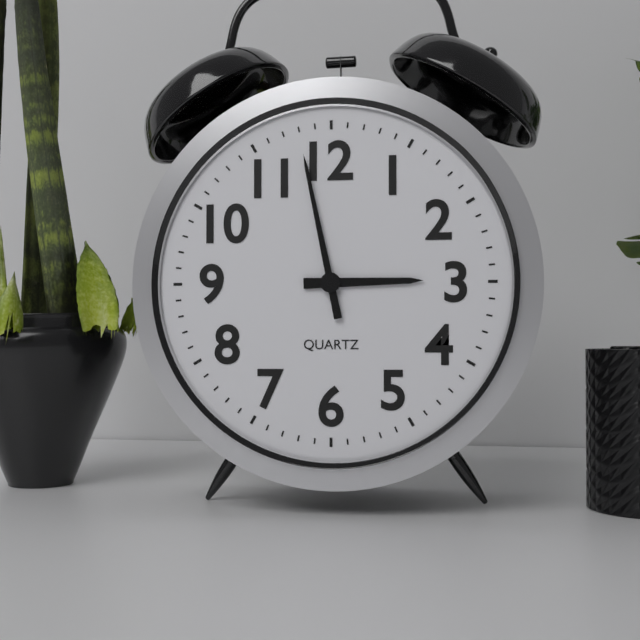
2:58
